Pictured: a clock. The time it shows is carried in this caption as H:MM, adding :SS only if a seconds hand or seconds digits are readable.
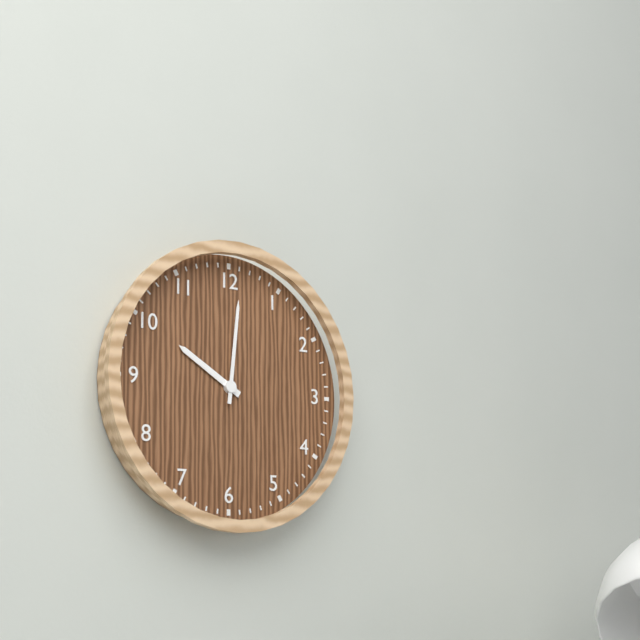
10:01
